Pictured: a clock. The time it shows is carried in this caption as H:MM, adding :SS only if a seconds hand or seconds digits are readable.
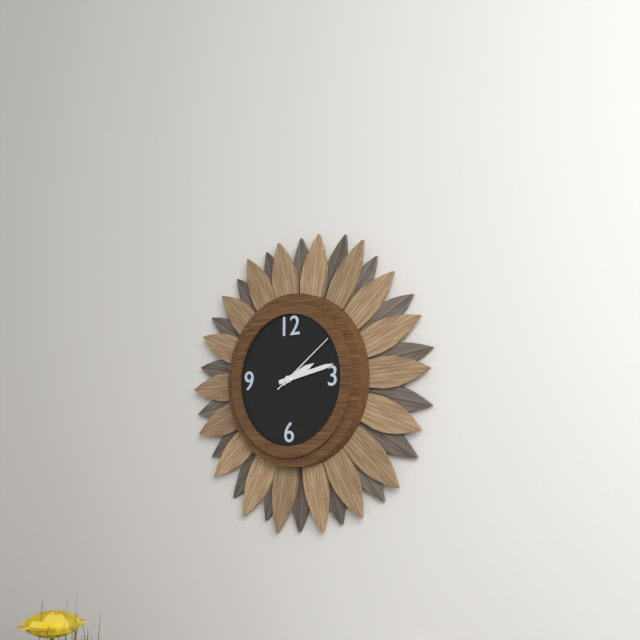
2:13:09
